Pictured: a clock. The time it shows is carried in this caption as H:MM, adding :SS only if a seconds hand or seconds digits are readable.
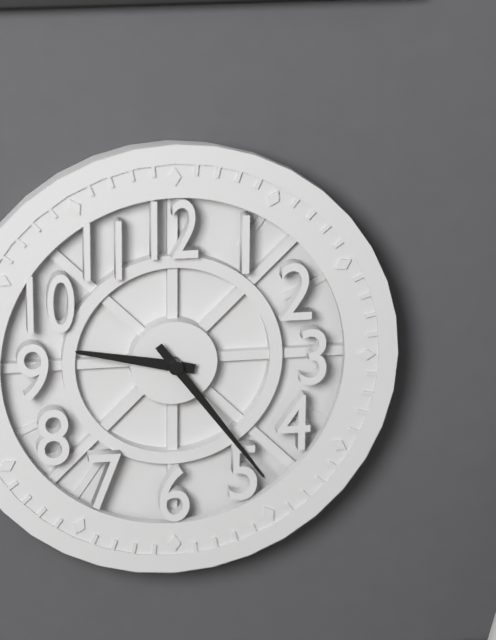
9:24
